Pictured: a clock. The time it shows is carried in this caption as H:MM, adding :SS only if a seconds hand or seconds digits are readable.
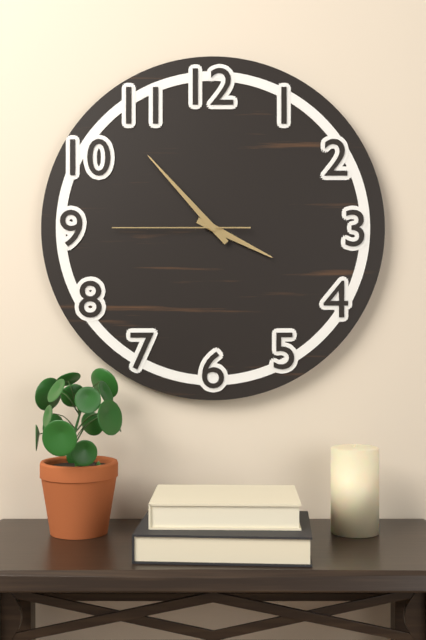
3:53:45
